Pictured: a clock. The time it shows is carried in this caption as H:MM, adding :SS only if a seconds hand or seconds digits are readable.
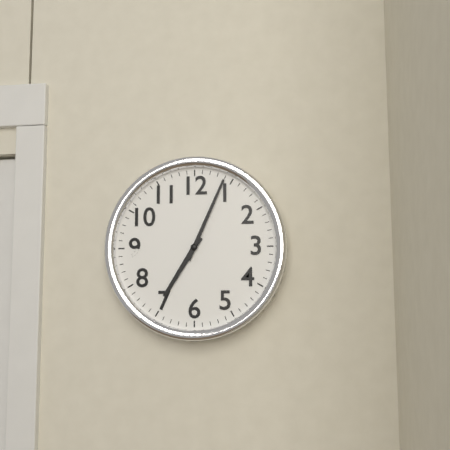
7:04
